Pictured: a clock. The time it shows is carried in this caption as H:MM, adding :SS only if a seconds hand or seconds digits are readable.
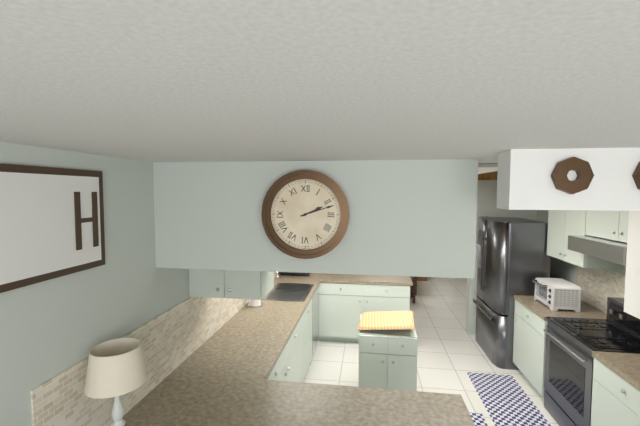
2:12
